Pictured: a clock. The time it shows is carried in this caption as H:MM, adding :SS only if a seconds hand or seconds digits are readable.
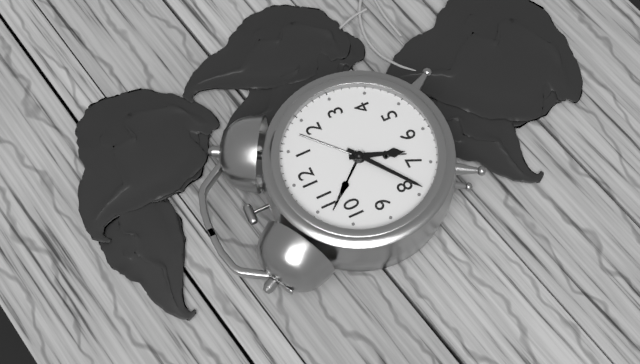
6:39
